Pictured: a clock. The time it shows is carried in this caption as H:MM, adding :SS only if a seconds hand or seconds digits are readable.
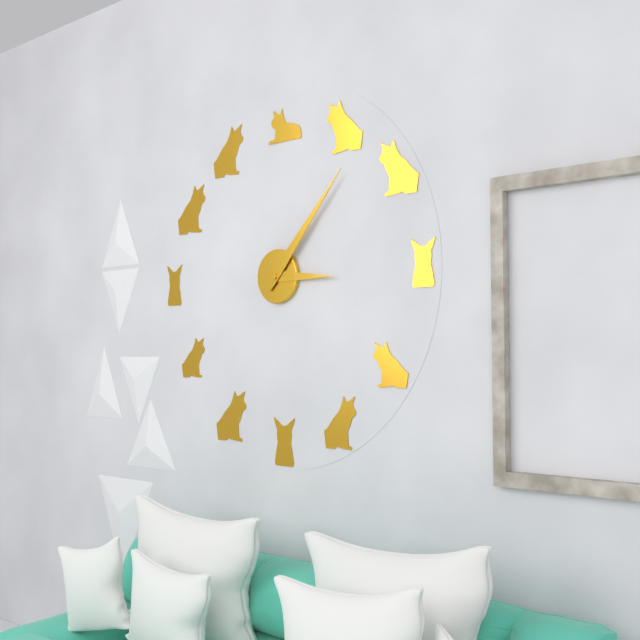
3:07
